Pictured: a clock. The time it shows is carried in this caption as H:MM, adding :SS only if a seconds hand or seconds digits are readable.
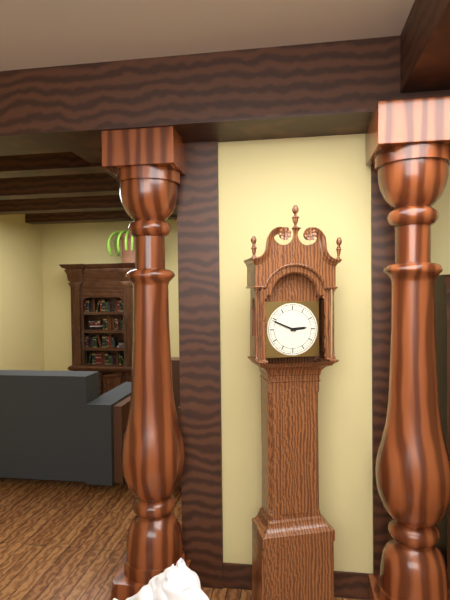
2:49
